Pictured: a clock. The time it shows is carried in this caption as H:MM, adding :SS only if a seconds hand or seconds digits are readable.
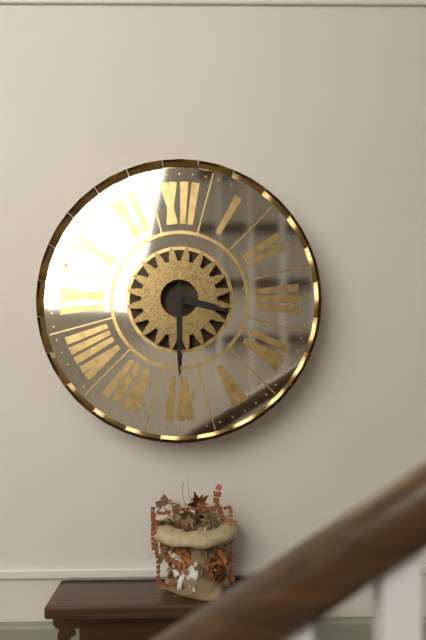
3:30
